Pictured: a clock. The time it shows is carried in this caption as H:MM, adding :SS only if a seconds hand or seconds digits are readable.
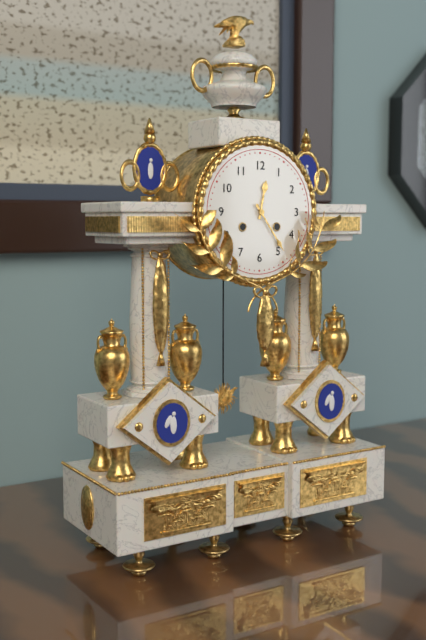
12:24
